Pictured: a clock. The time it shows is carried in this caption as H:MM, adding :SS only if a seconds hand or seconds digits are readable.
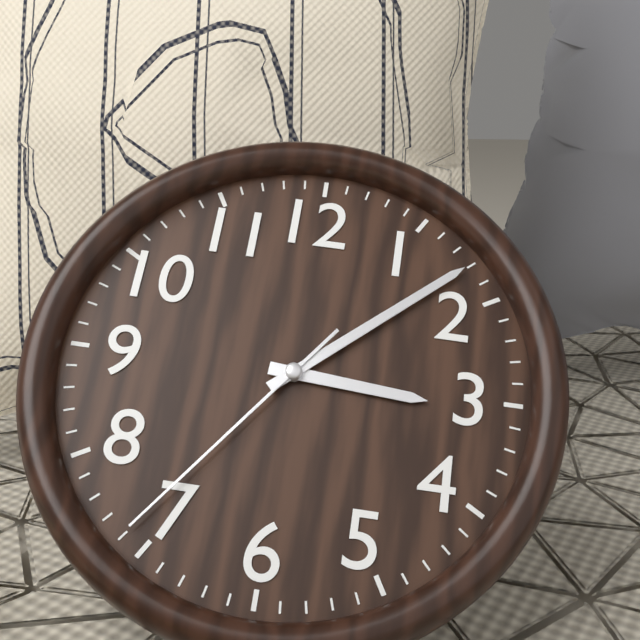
3:08:36
